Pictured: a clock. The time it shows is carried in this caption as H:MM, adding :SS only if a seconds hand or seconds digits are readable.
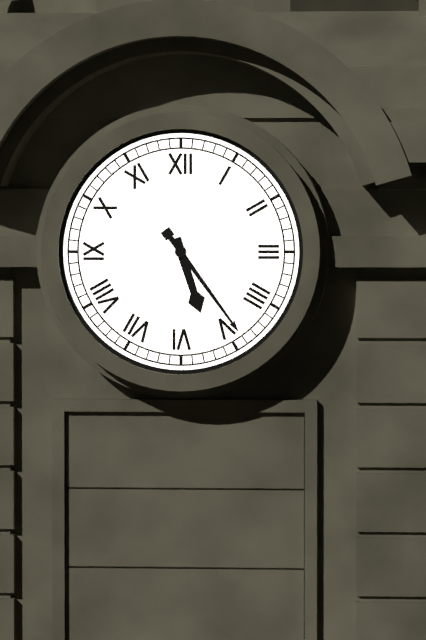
5:24
